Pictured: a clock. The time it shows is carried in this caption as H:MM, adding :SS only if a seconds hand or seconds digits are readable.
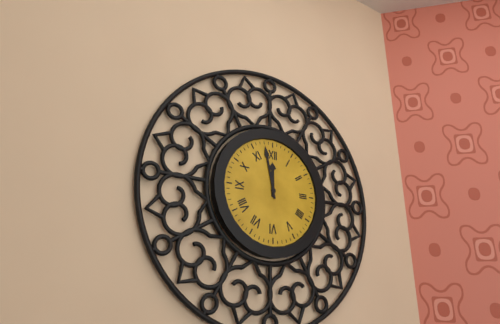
11:58
